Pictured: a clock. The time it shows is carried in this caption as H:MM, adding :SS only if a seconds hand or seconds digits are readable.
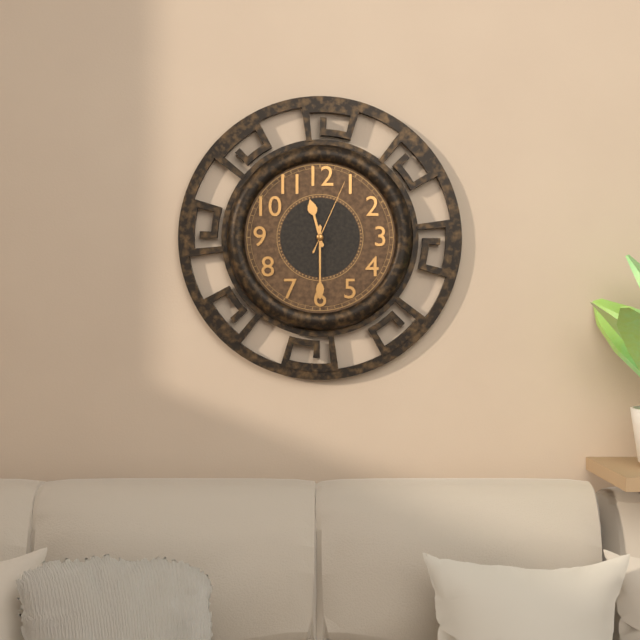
11:30:04
